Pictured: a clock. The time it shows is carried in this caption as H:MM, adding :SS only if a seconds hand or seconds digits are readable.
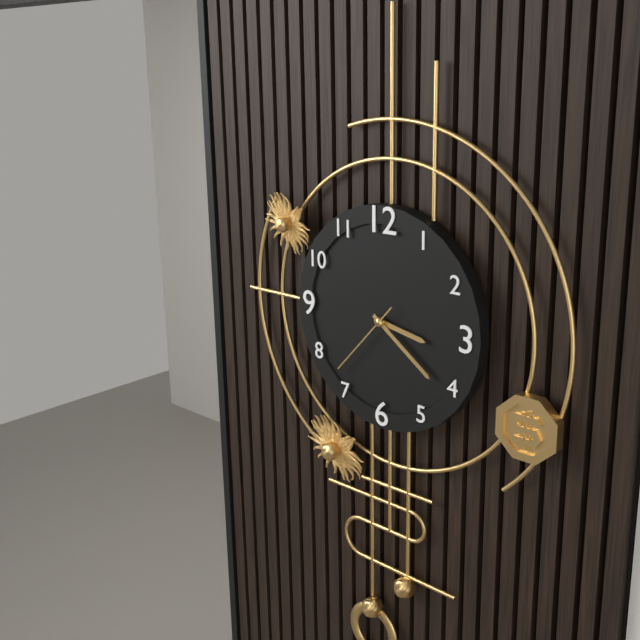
3:21:37
